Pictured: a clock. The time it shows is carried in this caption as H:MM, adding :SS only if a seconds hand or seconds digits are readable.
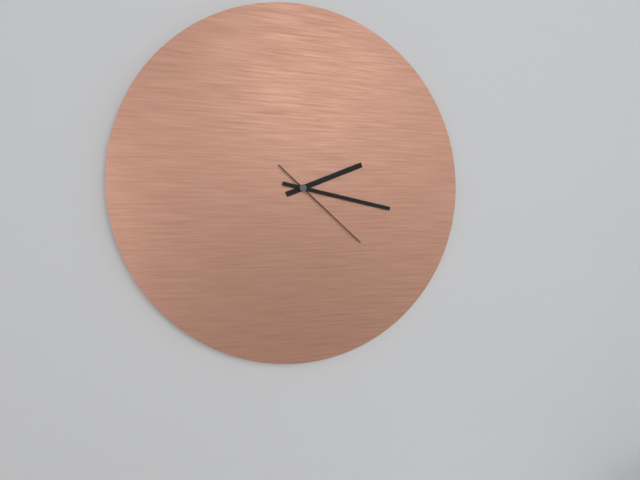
2:17:22
